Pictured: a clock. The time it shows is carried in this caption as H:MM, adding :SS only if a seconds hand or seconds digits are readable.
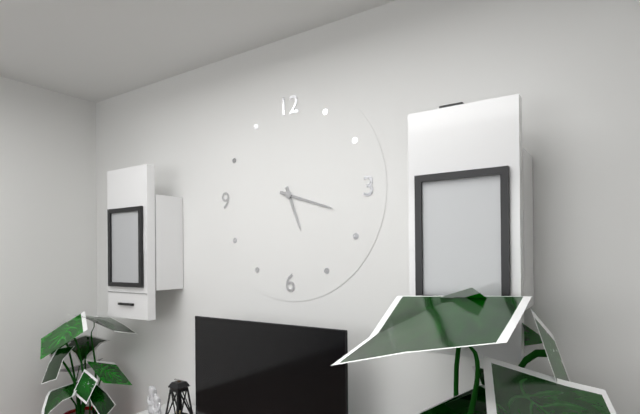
5:18
